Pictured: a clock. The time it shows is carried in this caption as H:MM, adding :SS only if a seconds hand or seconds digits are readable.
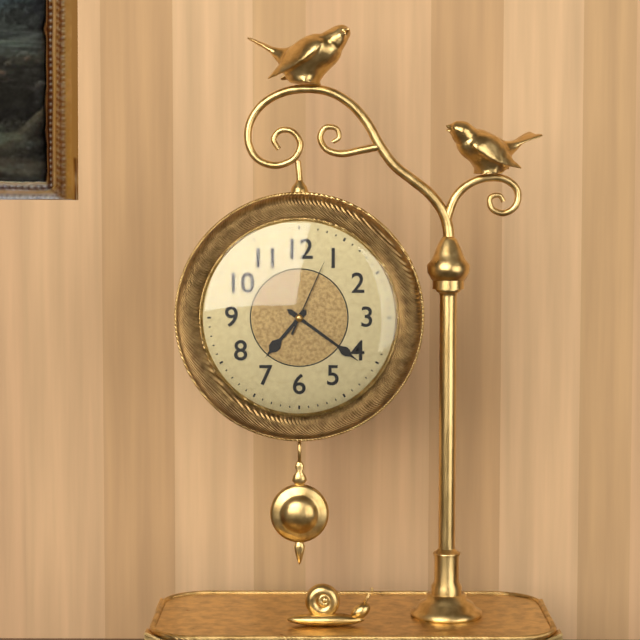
7:21:04
